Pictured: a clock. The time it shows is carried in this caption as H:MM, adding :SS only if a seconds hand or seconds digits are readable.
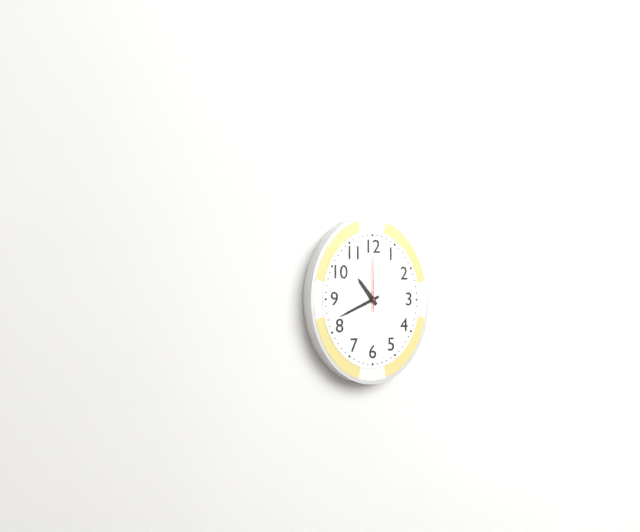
10:41:00
